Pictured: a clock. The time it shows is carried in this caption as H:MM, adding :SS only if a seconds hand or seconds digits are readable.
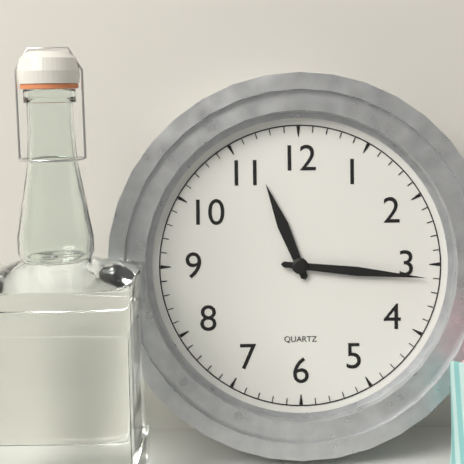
11:16
